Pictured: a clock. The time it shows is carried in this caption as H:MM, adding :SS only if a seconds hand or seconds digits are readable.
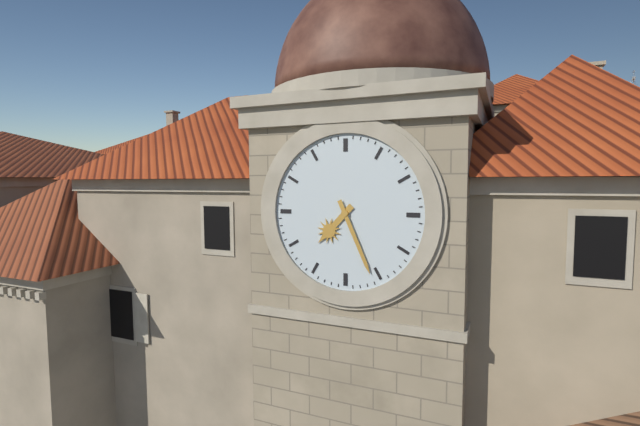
7:26
